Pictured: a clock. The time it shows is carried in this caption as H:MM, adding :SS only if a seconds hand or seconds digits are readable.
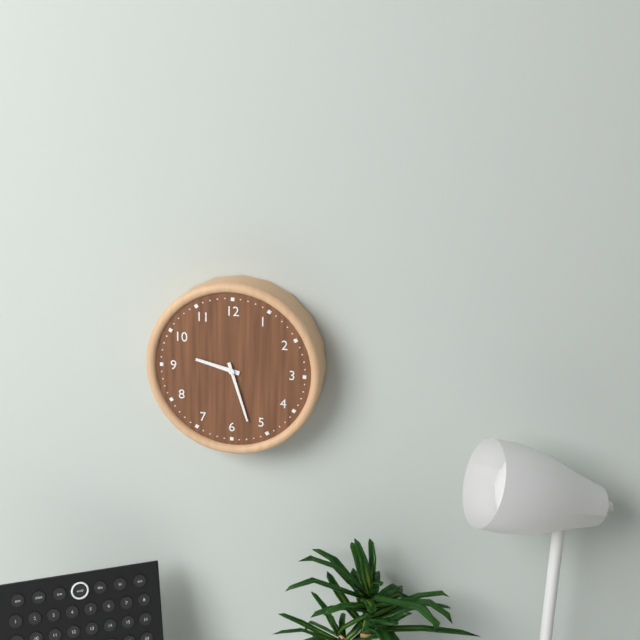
9:27
